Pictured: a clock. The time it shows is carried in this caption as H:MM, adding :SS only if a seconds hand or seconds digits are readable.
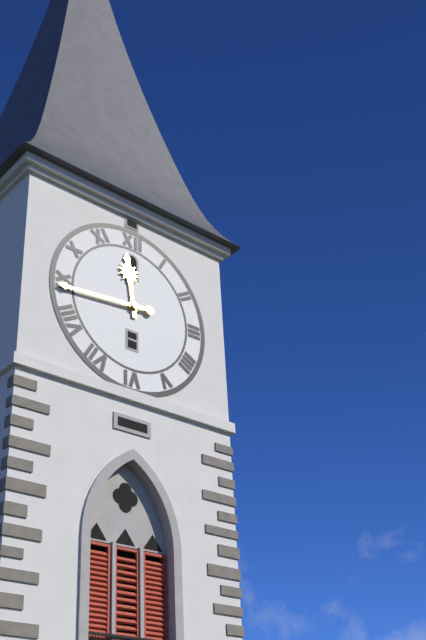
11:44
